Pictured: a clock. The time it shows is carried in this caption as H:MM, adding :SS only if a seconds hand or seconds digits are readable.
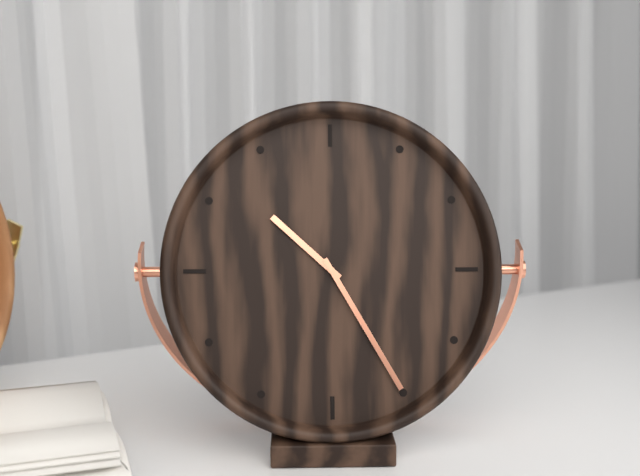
10:25
